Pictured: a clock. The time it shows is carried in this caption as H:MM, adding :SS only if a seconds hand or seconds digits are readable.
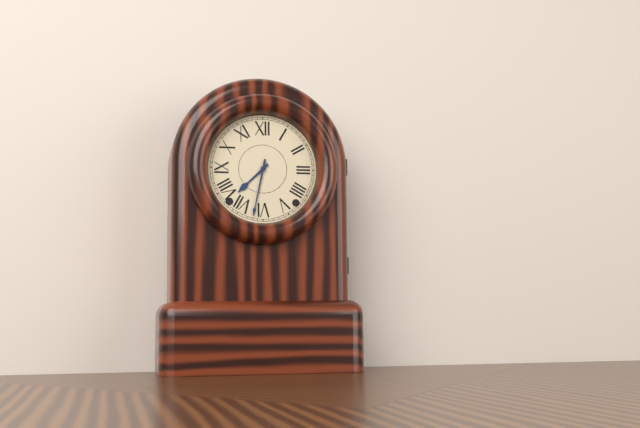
7:32
